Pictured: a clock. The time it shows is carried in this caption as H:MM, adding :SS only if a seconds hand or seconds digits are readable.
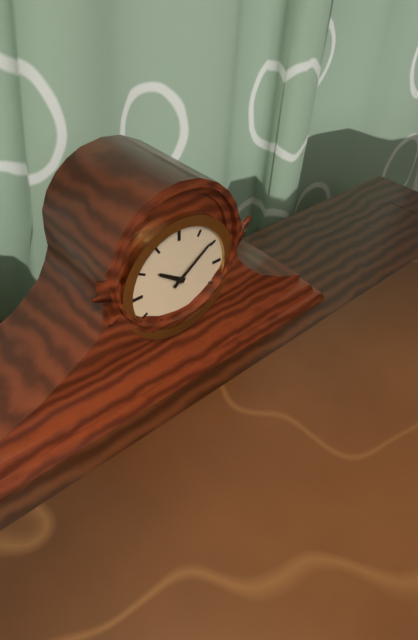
10:09
